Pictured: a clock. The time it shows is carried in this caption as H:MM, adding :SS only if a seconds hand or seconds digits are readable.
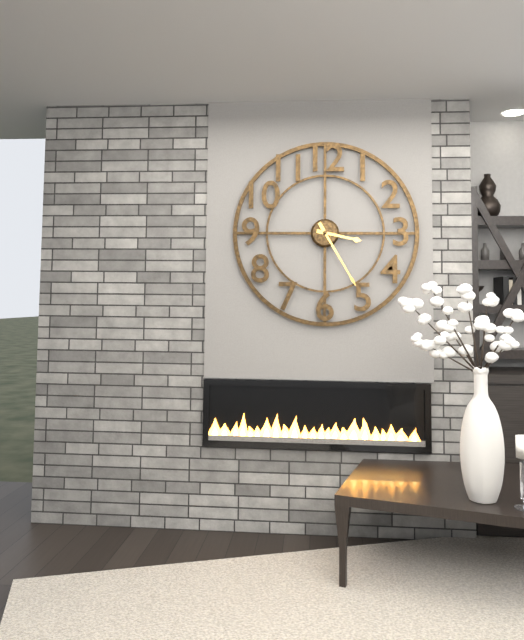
3:25
